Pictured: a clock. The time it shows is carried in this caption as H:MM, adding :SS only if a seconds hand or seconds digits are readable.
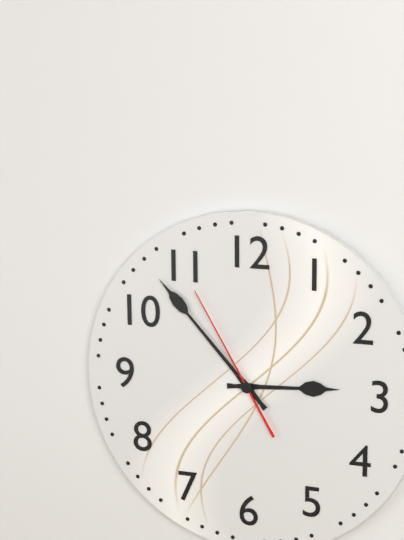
2:53:55
